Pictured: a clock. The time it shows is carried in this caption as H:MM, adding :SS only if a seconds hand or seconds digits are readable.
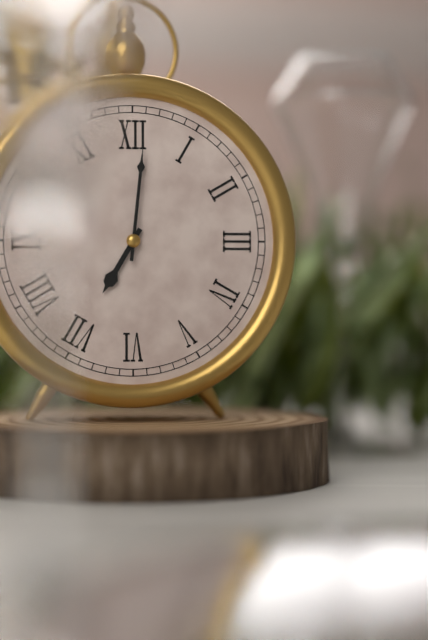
7:01
